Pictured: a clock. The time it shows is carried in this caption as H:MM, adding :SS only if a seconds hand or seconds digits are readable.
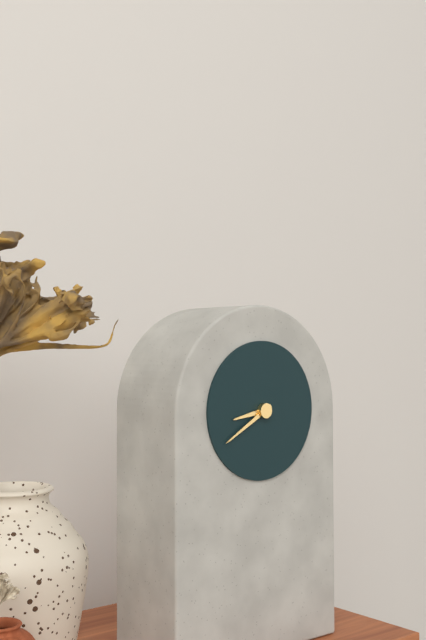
8:40
